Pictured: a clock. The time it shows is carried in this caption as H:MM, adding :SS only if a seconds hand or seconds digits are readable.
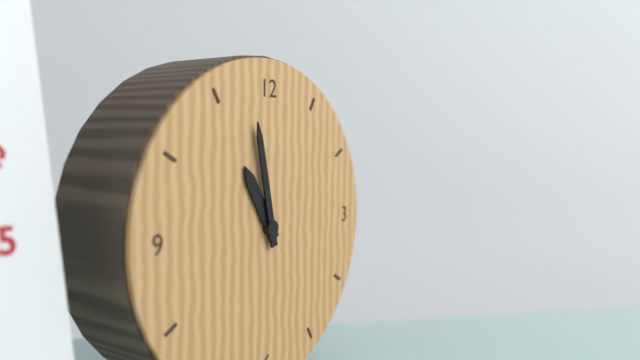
10:58
